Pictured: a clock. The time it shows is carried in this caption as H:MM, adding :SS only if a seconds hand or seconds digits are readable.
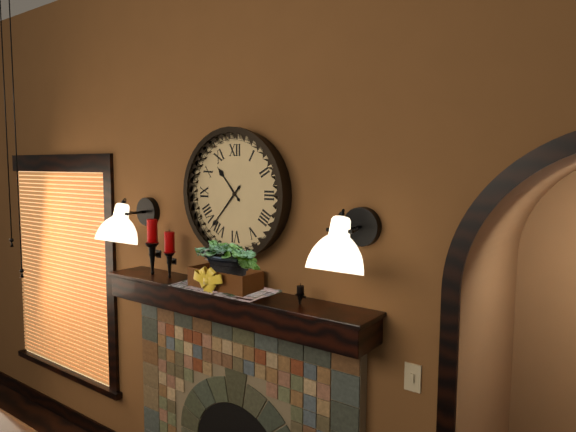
10:37
